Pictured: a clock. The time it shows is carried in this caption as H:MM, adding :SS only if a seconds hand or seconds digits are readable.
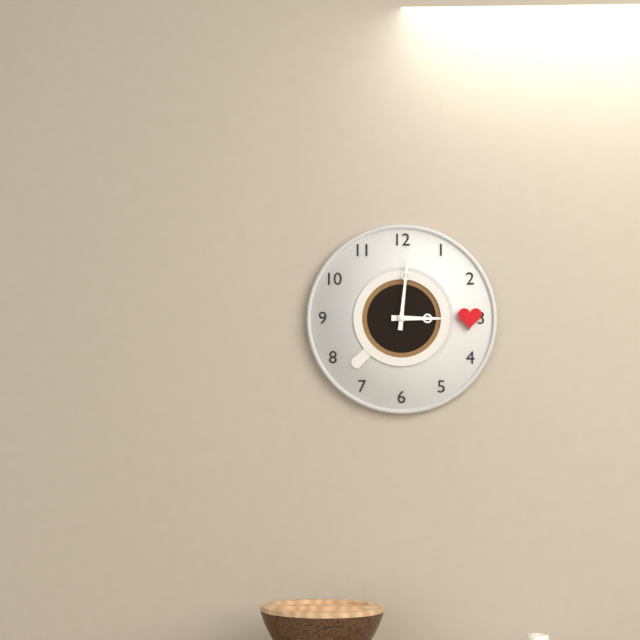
3:01
